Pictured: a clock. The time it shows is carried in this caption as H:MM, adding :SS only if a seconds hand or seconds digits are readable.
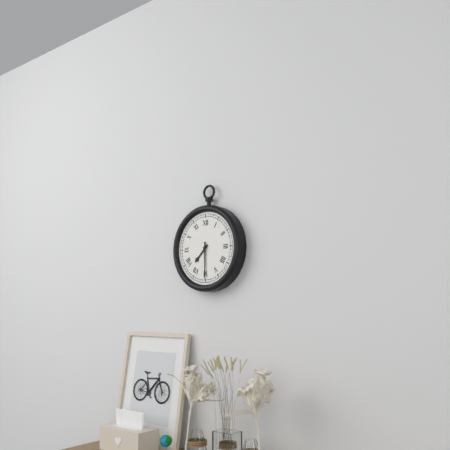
7:30
